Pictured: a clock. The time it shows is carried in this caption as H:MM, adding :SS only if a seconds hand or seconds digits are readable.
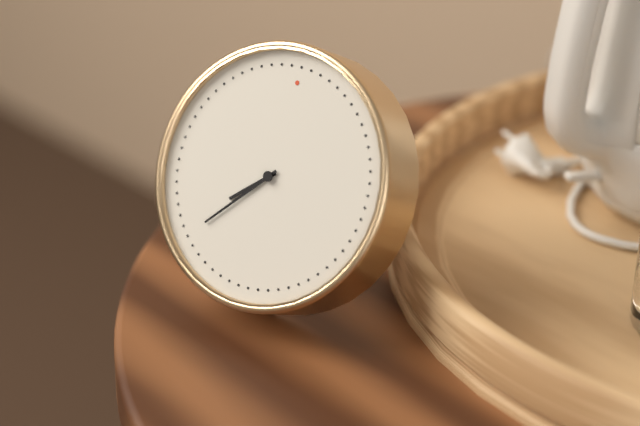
7:37
